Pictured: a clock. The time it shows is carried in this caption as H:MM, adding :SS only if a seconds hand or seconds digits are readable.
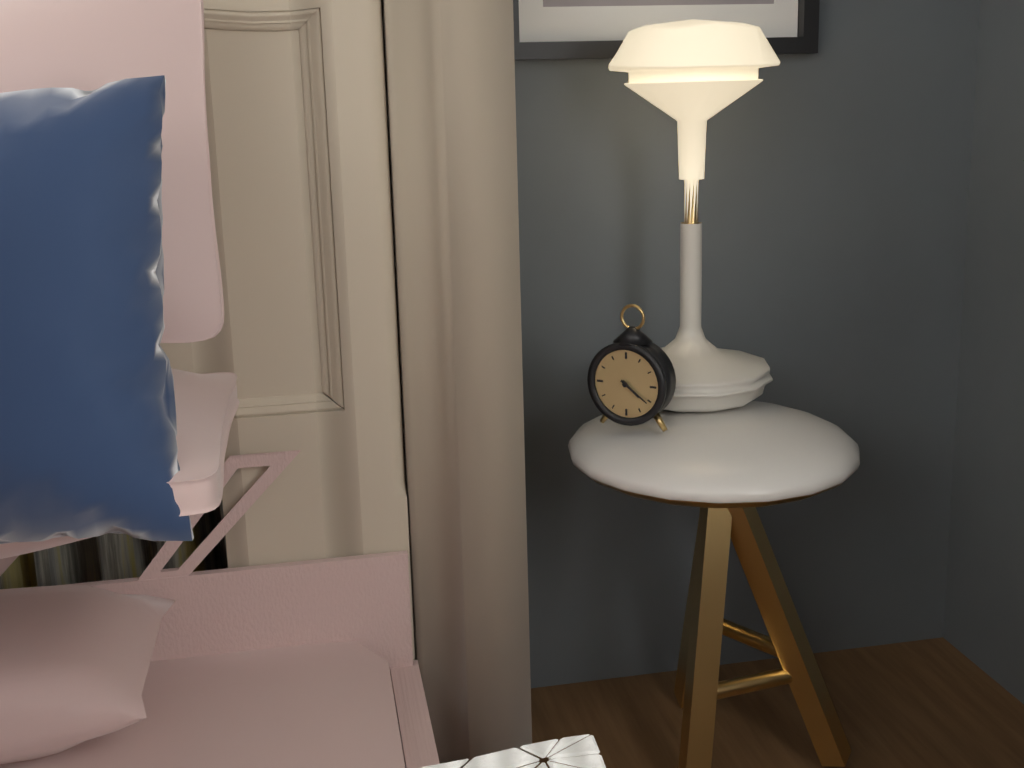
4:21
